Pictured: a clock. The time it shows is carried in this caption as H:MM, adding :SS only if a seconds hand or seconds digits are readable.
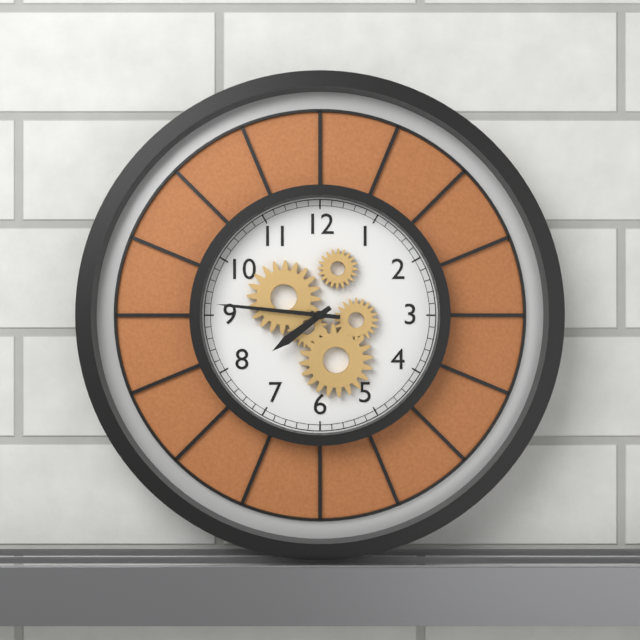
7:46
